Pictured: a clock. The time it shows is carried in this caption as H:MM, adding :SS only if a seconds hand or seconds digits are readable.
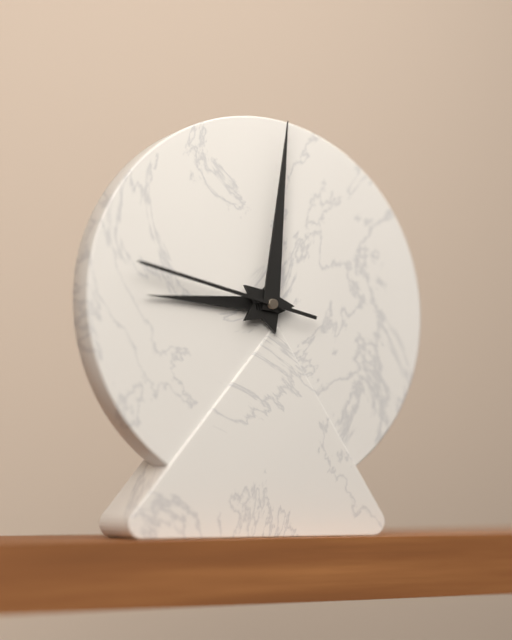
9:01:47
